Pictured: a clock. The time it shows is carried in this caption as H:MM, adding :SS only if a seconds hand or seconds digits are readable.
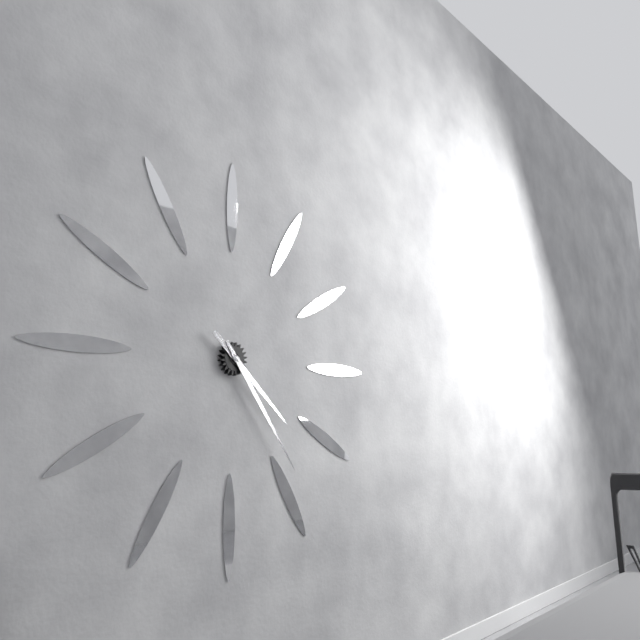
4:24
